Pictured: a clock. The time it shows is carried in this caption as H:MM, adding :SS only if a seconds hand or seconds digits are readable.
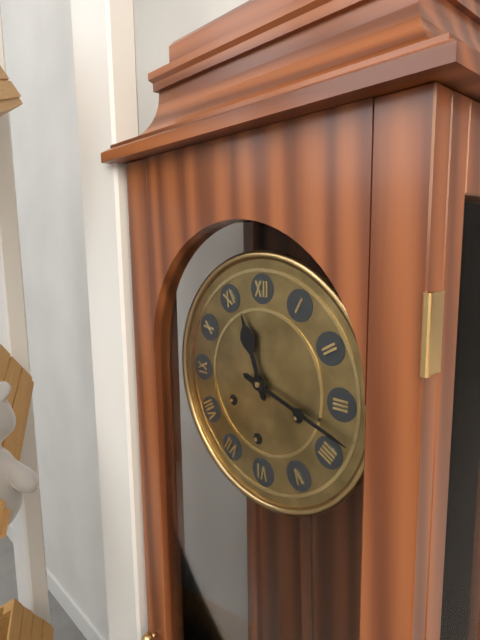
11:18
